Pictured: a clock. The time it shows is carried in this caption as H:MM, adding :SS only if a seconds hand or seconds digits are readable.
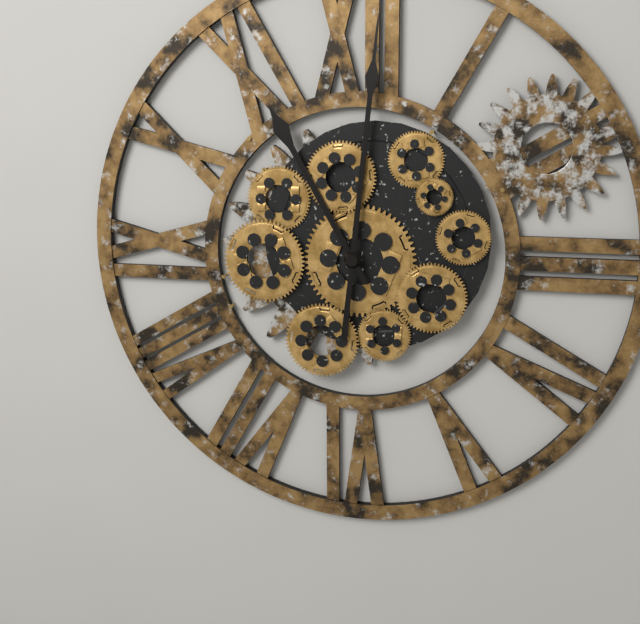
11:01
